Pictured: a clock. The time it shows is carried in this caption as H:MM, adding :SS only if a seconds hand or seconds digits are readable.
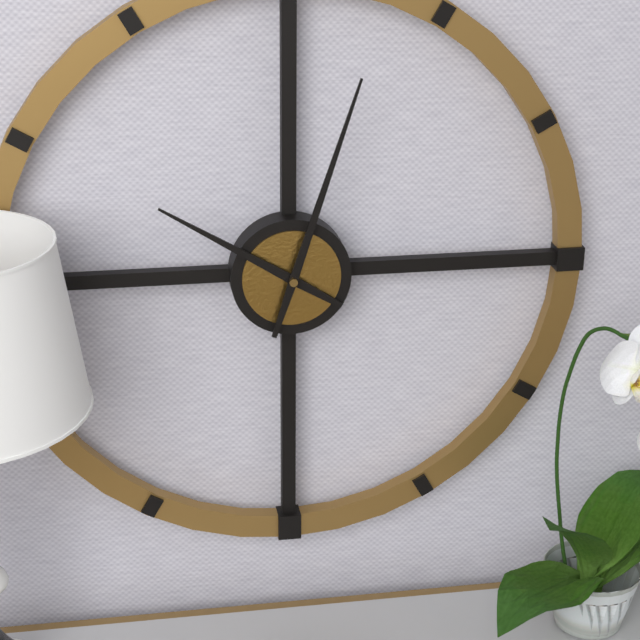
10:03
